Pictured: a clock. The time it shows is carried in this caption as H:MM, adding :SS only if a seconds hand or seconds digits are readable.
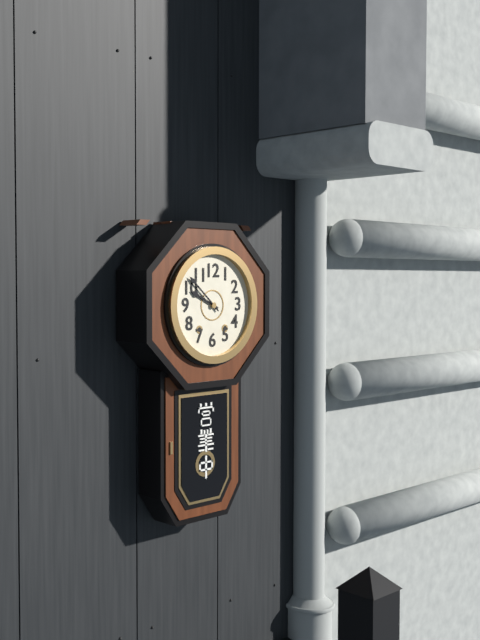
9:52
